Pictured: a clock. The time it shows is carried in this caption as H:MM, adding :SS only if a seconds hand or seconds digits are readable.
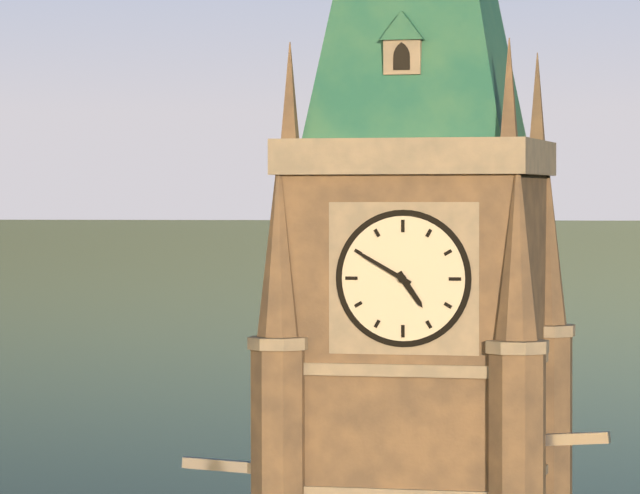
4:50
